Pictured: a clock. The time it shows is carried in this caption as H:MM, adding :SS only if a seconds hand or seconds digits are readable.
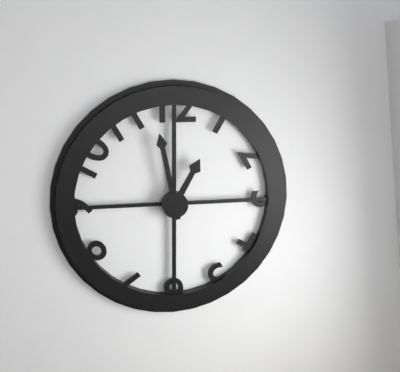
12:58
